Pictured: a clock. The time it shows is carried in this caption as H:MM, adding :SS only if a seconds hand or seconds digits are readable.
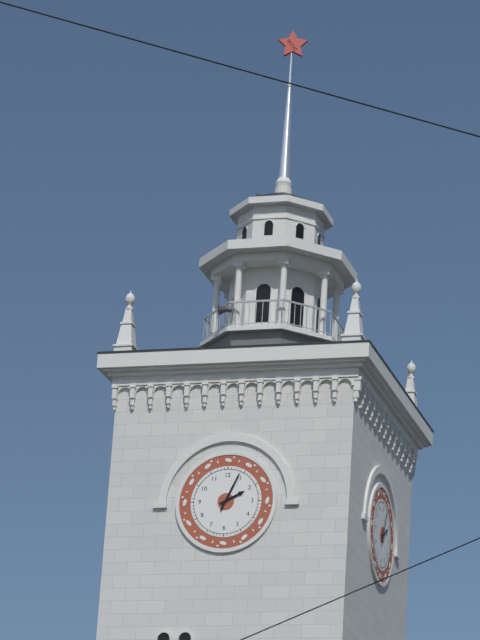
2:04
